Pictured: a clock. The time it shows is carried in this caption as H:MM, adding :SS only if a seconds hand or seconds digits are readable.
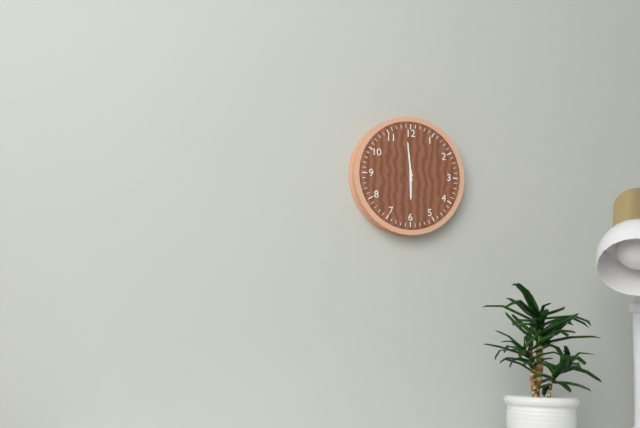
5:59
